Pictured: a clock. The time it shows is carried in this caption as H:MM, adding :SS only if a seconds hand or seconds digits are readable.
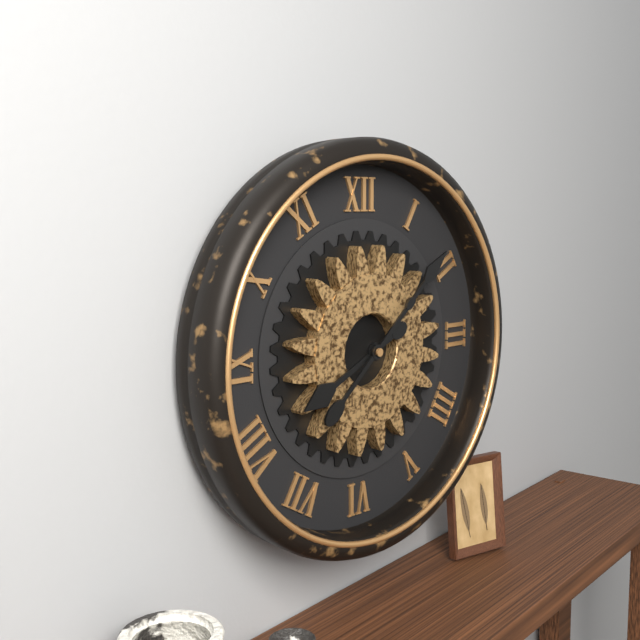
8:08
